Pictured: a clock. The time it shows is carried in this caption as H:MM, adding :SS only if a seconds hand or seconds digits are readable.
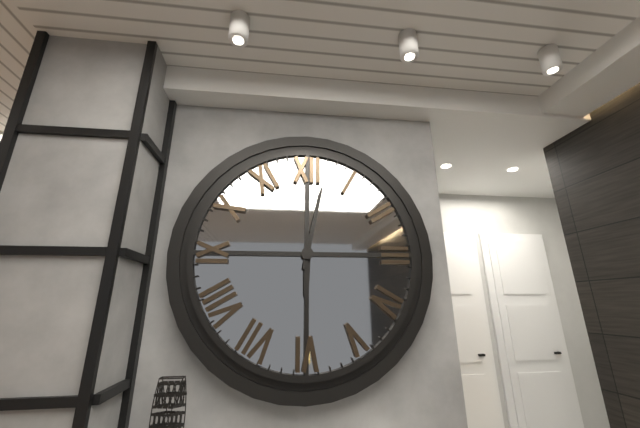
6:02
